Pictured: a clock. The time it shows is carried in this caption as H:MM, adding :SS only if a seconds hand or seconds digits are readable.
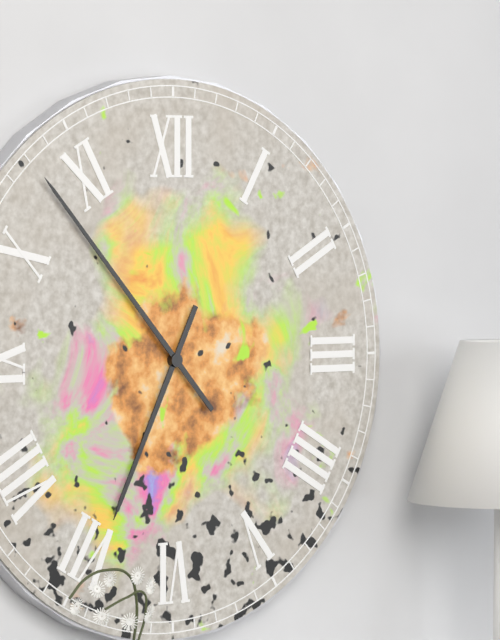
6:53
